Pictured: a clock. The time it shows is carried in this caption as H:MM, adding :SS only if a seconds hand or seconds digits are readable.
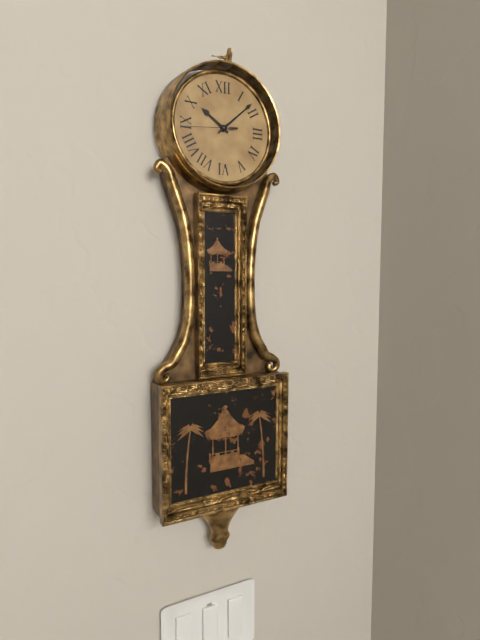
10:08
